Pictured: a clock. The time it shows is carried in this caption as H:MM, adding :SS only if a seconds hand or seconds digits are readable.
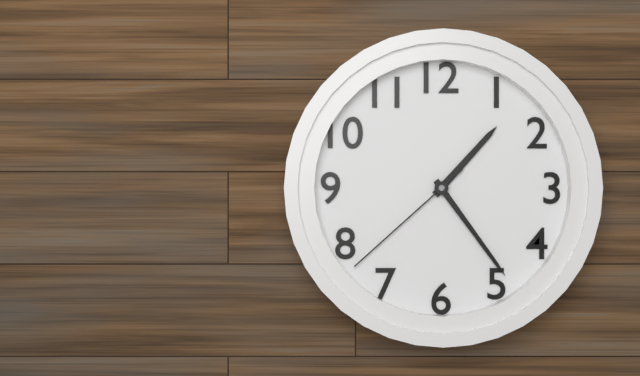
1:24:38
